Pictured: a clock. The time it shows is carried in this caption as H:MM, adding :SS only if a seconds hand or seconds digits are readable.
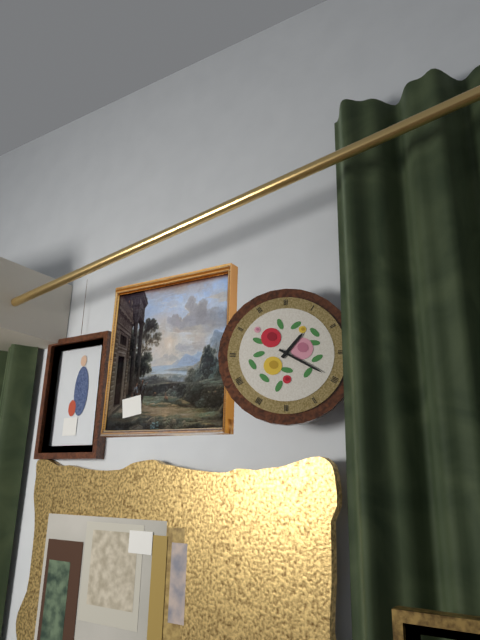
1:20
